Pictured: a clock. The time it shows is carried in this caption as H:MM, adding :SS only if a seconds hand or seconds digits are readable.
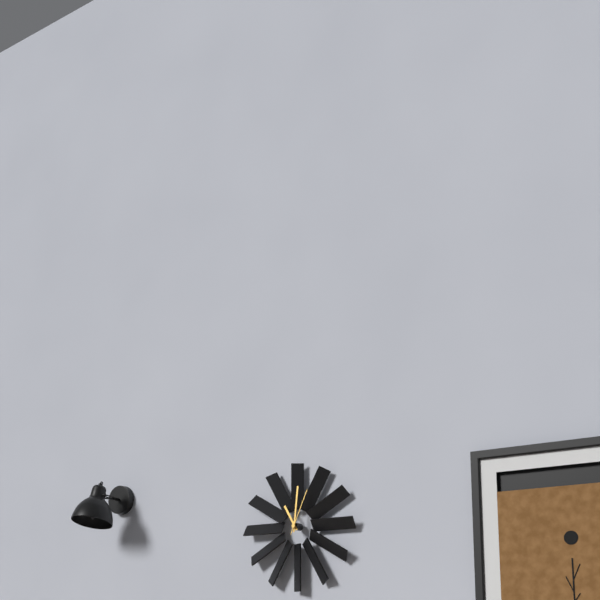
11:01
